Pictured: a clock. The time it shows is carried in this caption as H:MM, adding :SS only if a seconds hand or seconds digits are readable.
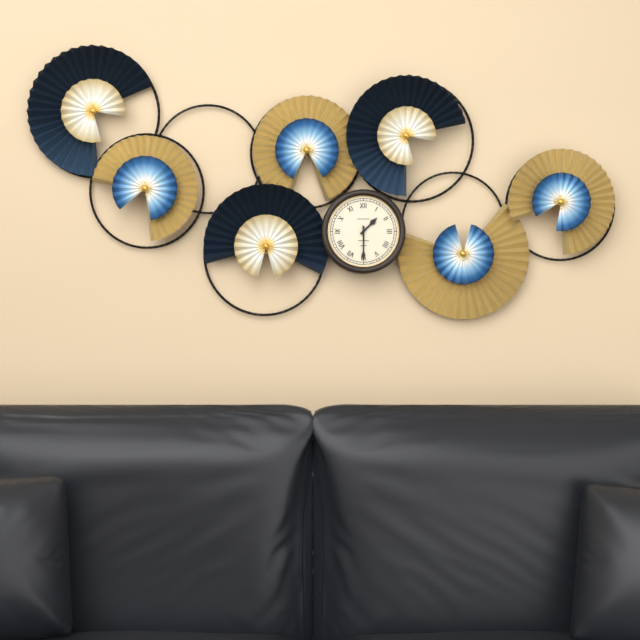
1:30
